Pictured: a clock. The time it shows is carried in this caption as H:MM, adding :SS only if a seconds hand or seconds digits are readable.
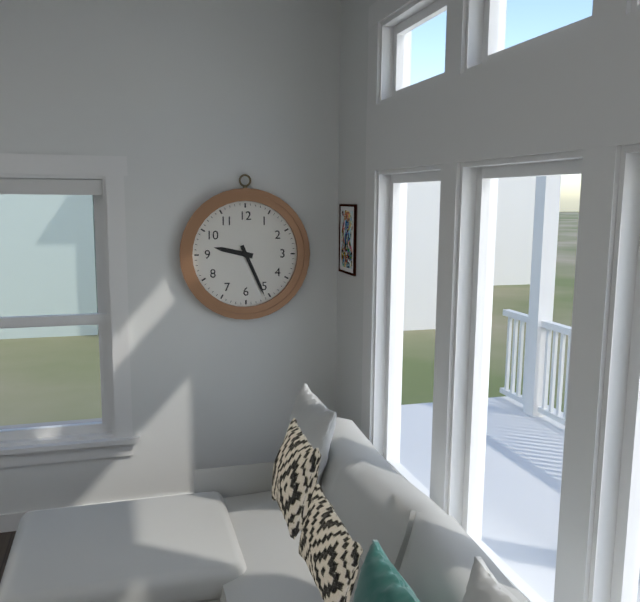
9:26
